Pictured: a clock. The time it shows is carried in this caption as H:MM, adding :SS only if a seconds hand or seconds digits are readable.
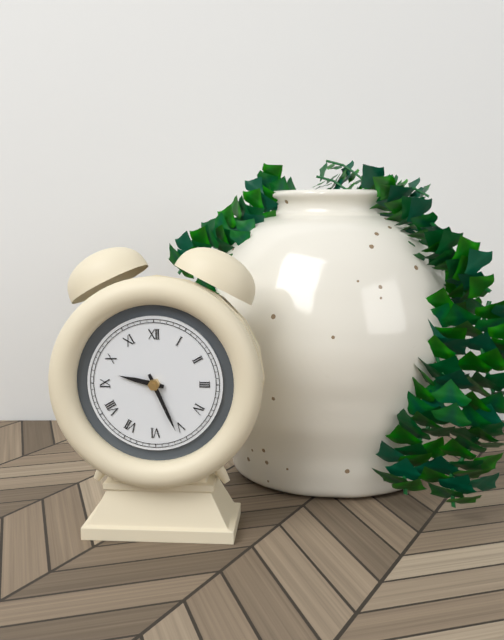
9:26
